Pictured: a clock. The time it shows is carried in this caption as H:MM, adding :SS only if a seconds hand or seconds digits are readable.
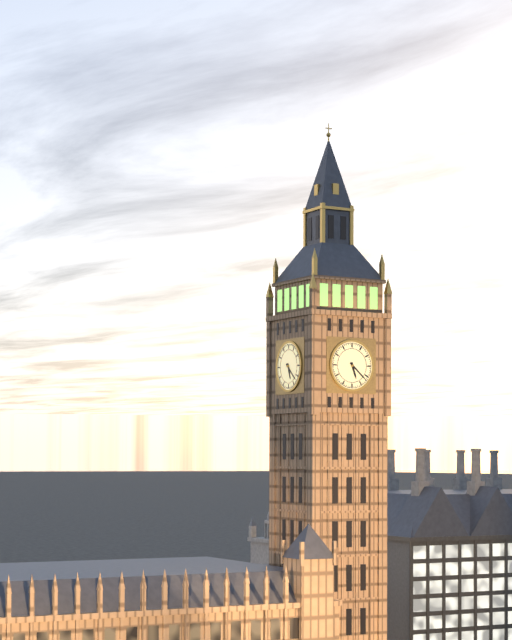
5:22
